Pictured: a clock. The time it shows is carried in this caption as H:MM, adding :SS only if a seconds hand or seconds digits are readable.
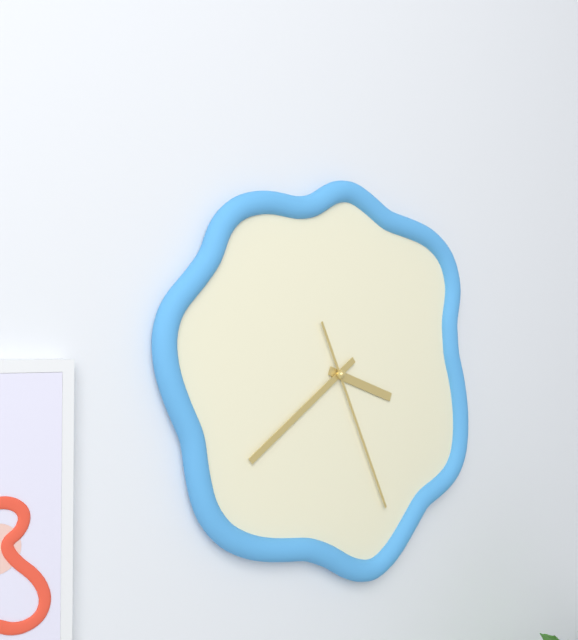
3:39:26
